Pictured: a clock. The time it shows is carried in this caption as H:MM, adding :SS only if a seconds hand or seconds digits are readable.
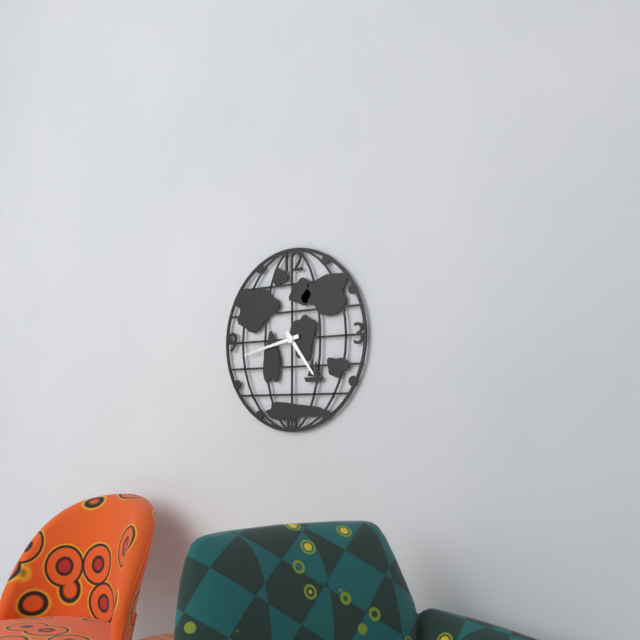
4:43
